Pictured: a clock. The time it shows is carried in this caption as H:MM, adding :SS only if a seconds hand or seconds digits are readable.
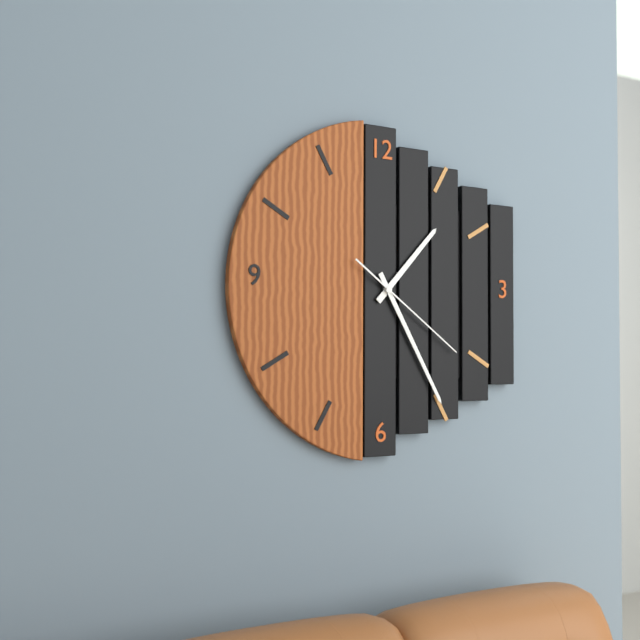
1:25:21
